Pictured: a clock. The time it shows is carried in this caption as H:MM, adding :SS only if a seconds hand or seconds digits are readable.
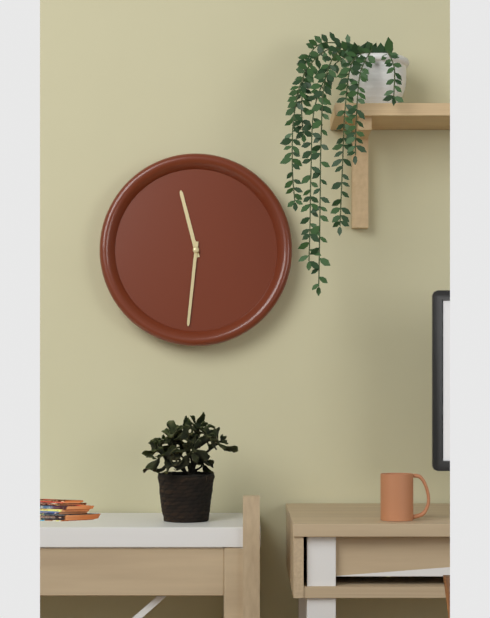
11:31
